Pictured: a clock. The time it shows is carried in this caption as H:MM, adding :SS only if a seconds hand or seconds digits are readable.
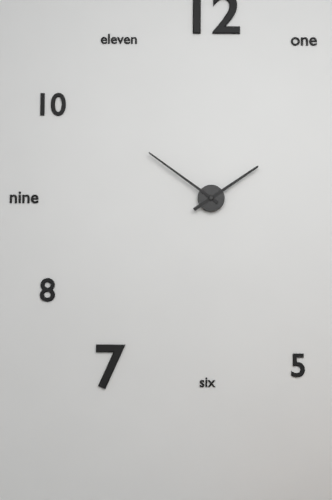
1:51
